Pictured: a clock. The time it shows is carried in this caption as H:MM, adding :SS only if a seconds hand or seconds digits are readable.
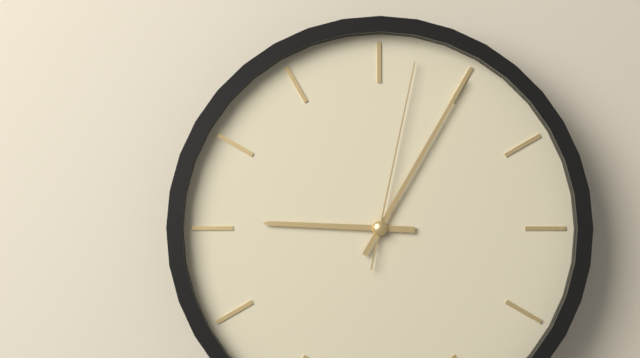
9:05:02
